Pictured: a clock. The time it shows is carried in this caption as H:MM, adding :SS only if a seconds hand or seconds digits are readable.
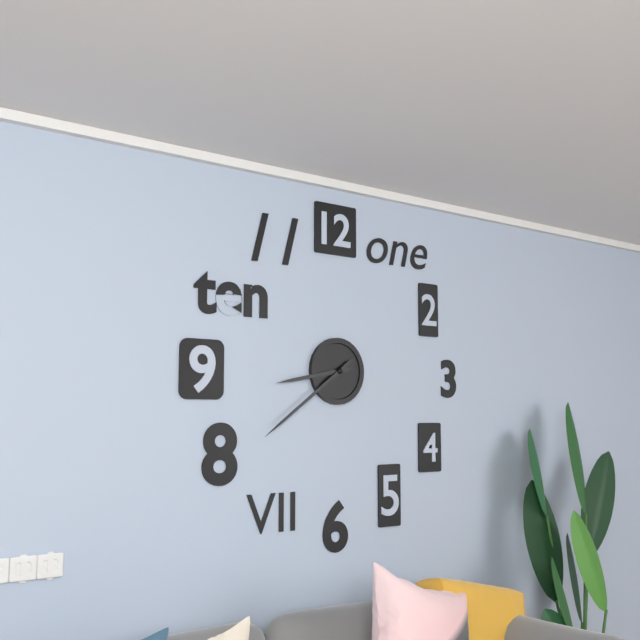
8:39
